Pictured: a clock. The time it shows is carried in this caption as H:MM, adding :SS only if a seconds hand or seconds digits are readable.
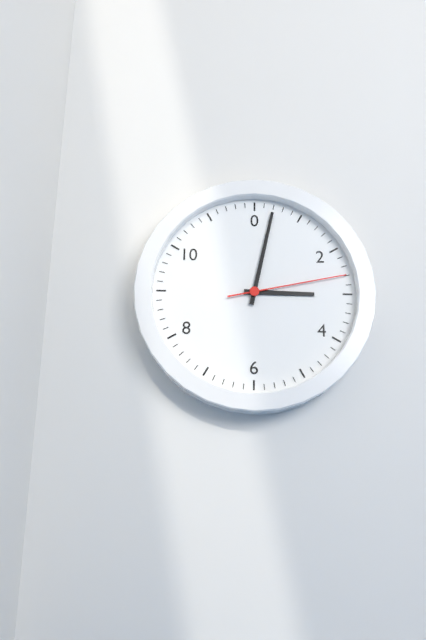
3:02:13
